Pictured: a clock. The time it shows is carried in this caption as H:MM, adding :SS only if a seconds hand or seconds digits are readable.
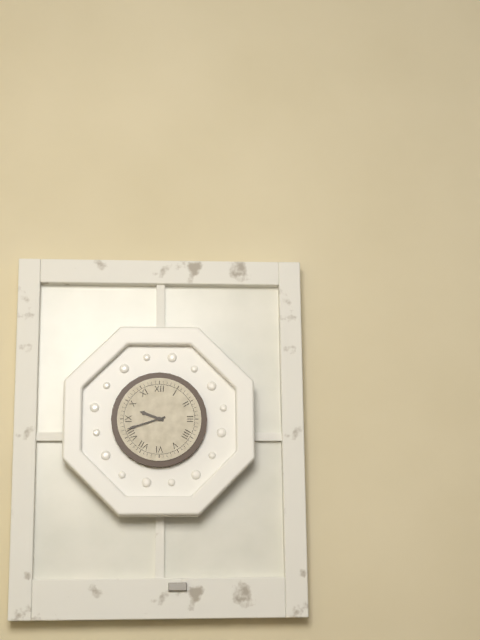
9:42
